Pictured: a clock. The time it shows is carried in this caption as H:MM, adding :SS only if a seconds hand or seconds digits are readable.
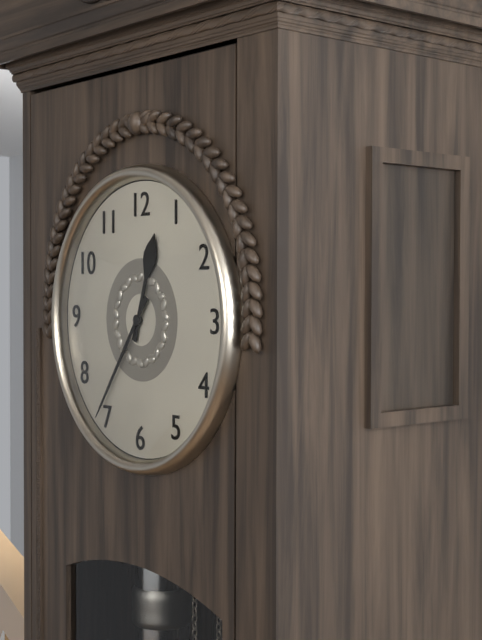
12:36
